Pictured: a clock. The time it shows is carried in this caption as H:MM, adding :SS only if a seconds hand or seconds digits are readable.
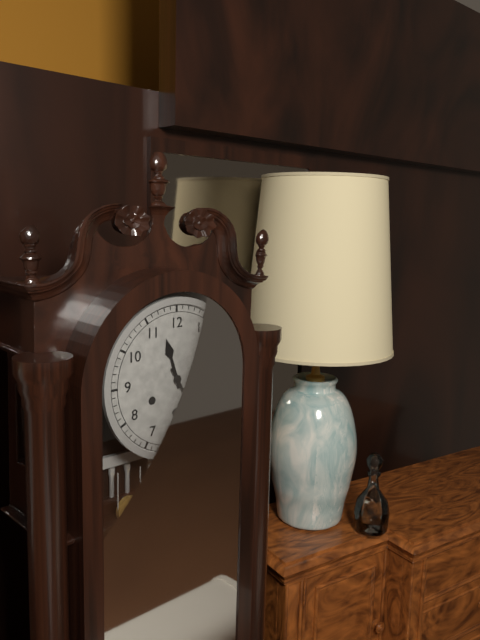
11:25
